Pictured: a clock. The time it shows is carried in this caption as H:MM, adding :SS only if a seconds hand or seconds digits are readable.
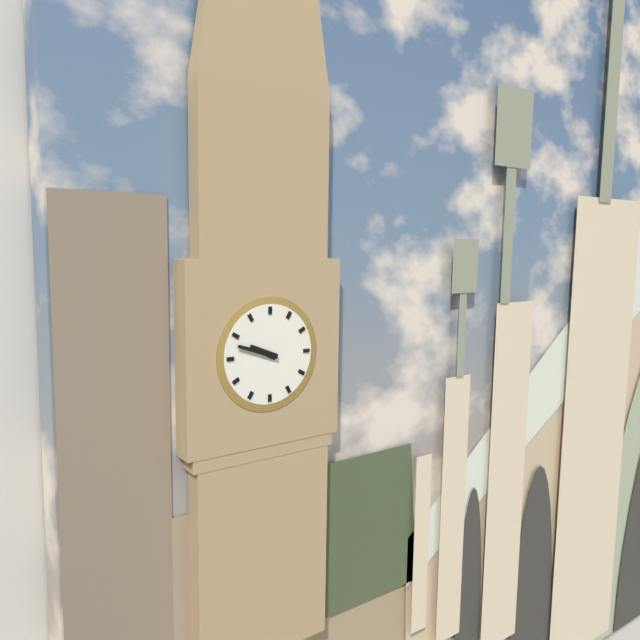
9:48
